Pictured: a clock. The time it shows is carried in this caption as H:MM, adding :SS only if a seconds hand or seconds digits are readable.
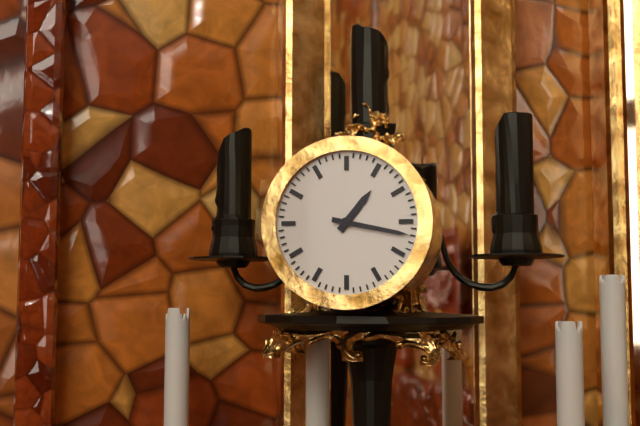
1:17
